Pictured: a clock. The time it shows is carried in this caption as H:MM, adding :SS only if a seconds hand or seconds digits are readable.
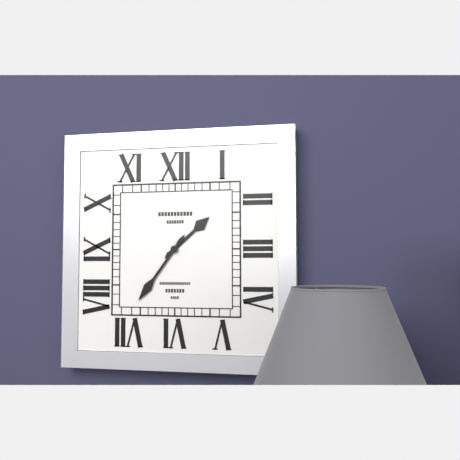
1:36
